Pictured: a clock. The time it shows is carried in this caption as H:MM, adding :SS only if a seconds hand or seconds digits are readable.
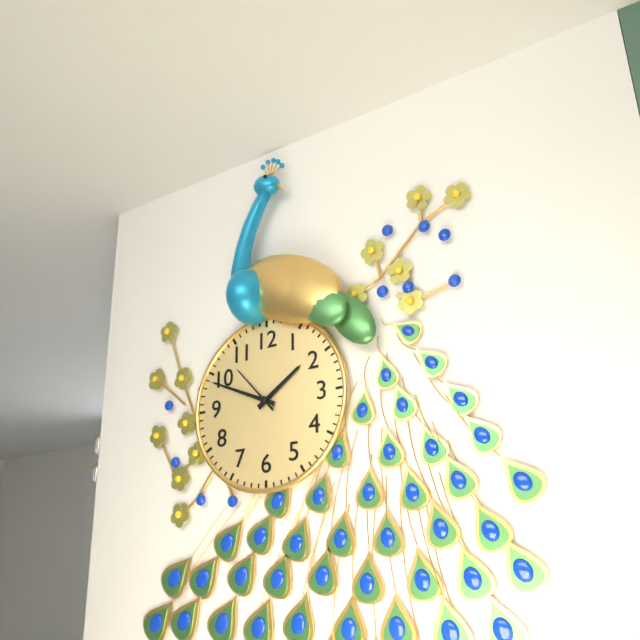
1:49:53
